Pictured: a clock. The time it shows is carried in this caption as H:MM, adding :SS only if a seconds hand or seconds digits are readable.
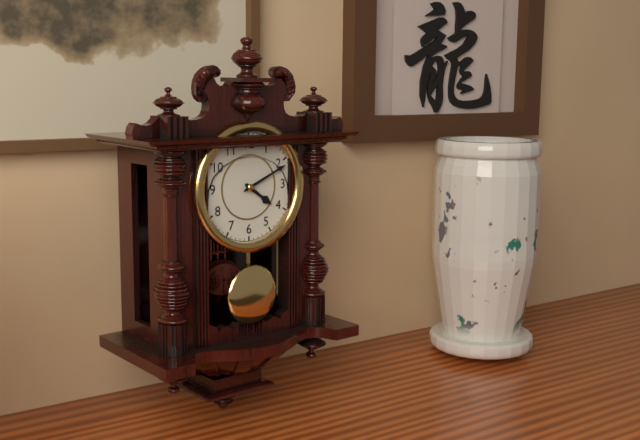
4:11
